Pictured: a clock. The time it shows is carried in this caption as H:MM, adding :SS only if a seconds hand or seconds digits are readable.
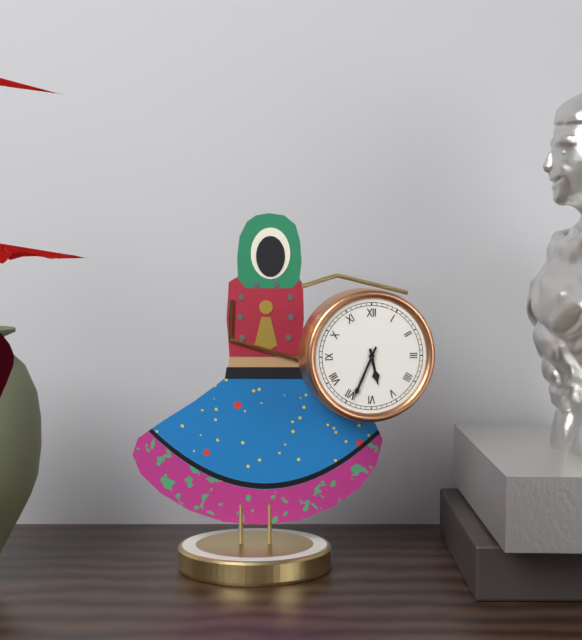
5:34
